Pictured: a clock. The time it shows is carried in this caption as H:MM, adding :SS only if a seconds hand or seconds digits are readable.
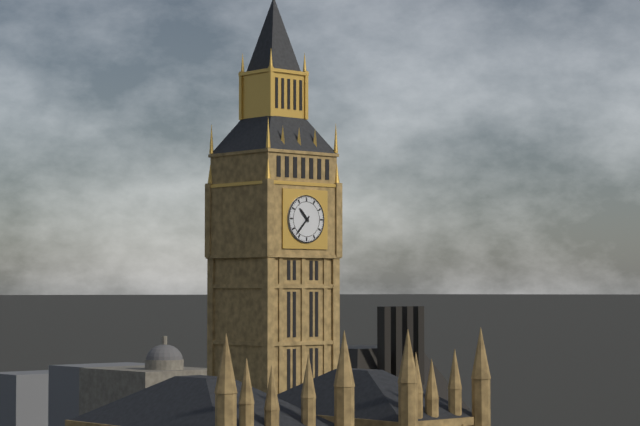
10:37
